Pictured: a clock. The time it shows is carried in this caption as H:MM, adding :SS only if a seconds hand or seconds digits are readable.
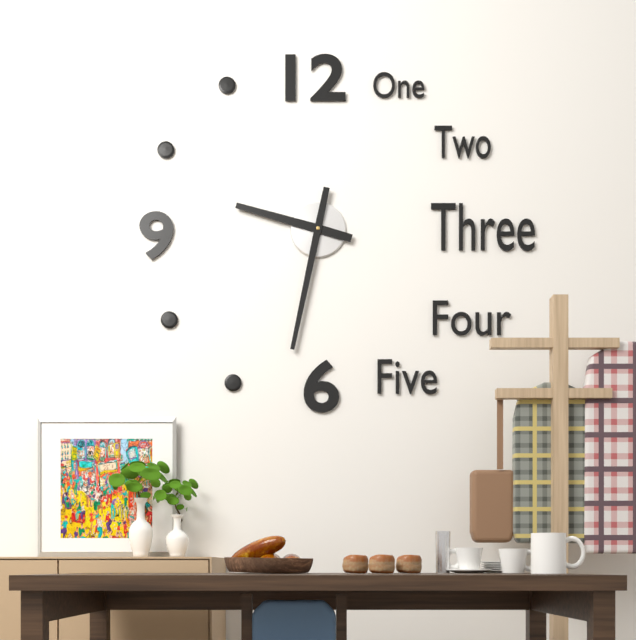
9:32
